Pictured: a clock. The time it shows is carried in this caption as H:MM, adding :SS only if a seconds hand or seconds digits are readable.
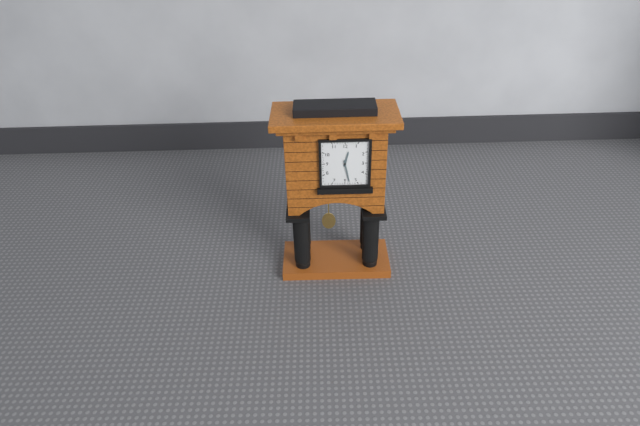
12:28
